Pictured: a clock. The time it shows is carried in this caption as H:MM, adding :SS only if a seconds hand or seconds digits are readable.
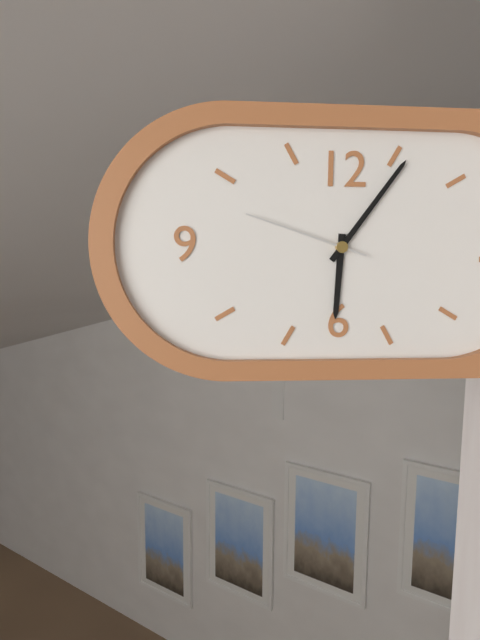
6:06:48
